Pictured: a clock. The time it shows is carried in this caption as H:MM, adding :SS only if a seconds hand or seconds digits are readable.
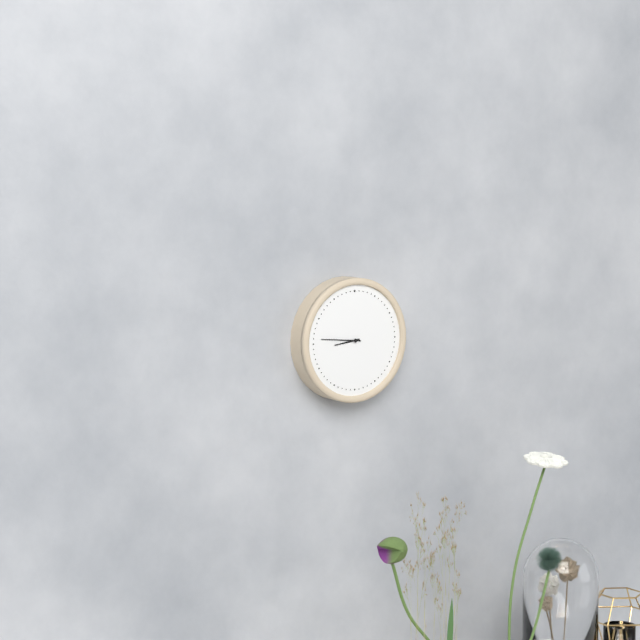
8:46
